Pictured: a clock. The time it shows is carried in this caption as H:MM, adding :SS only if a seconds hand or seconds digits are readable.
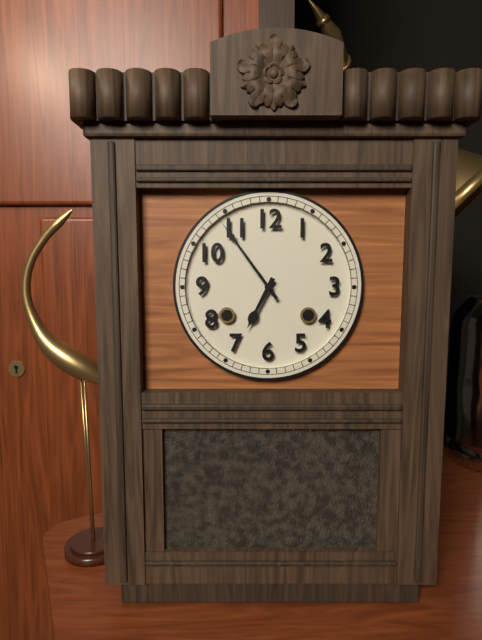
6:54
